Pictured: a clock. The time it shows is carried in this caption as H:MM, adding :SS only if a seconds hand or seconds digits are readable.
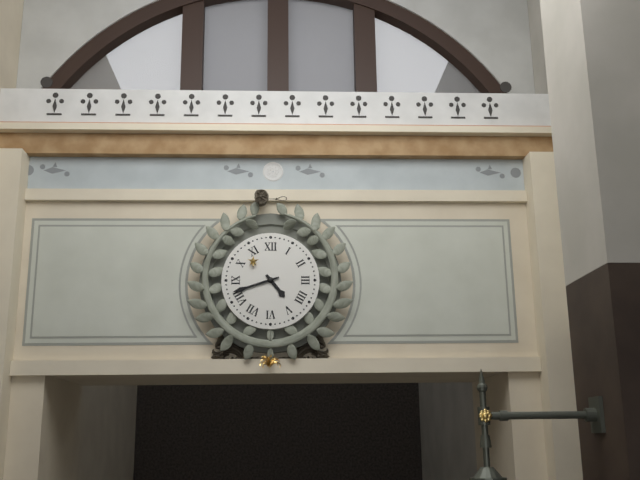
4:42
